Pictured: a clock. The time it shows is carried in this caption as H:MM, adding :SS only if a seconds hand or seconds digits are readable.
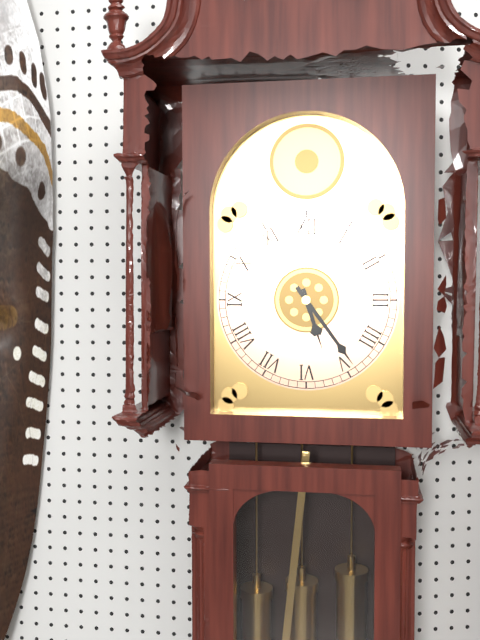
5:24
